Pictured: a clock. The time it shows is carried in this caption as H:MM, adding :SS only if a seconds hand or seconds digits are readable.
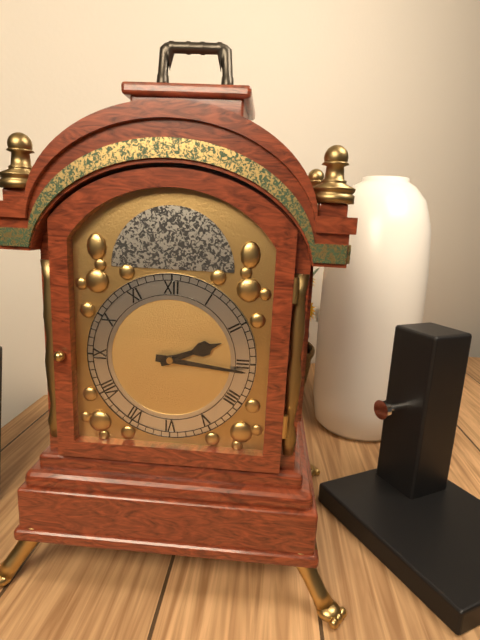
2:16
